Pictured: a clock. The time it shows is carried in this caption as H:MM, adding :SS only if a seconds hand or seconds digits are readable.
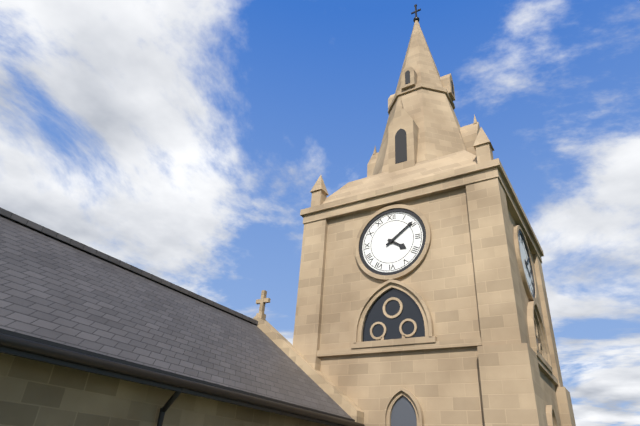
4:09
